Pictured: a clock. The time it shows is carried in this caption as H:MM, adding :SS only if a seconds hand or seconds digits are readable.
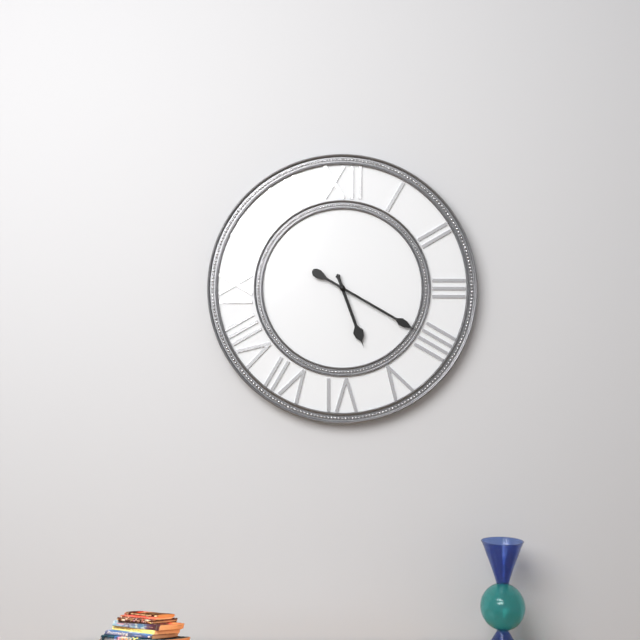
5:20
